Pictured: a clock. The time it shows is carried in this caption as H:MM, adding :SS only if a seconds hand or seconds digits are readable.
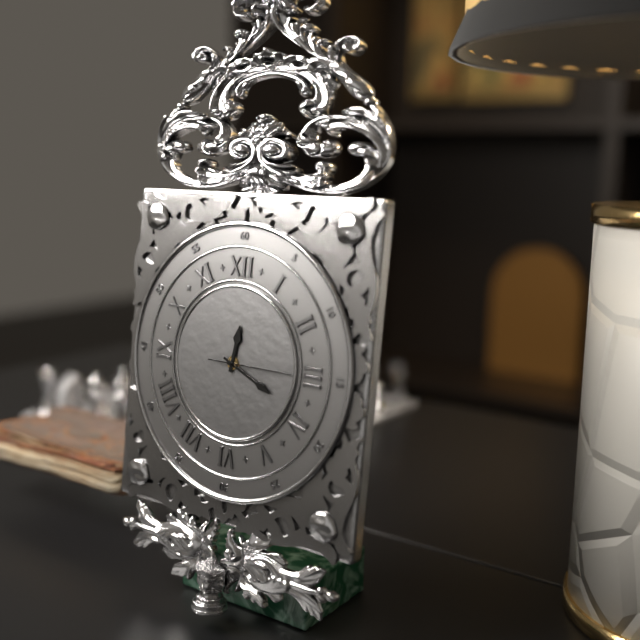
12:19:15
